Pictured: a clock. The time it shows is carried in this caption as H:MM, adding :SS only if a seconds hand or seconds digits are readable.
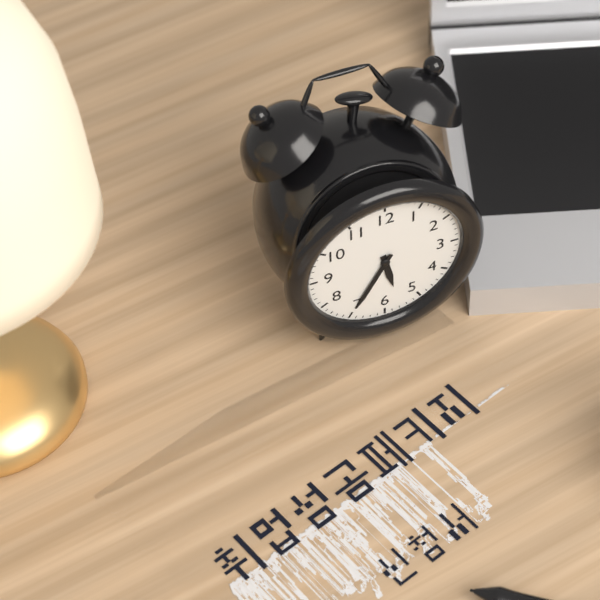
5:35
